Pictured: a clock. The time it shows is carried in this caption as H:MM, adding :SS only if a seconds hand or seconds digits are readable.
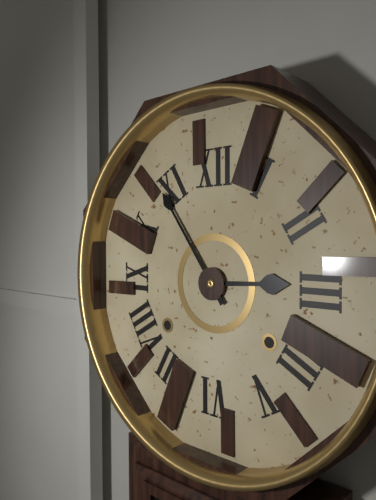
2:54
